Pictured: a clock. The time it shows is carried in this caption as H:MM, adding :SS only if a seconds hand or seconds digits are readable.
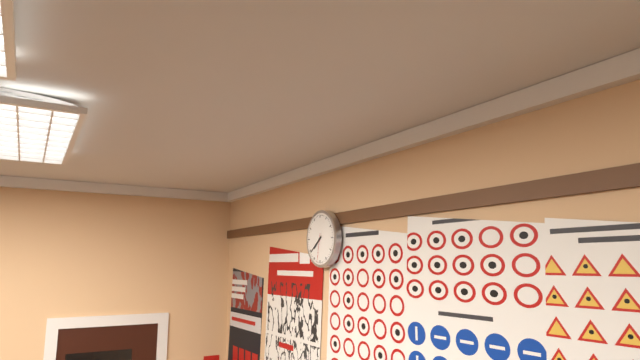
7:39
